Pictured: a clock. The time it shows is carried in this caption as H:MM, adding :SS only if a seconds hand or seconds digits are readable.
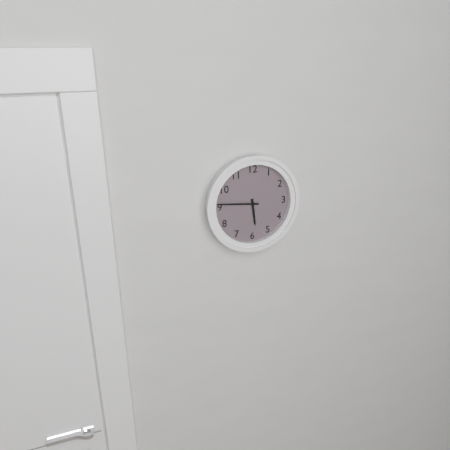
5:46
